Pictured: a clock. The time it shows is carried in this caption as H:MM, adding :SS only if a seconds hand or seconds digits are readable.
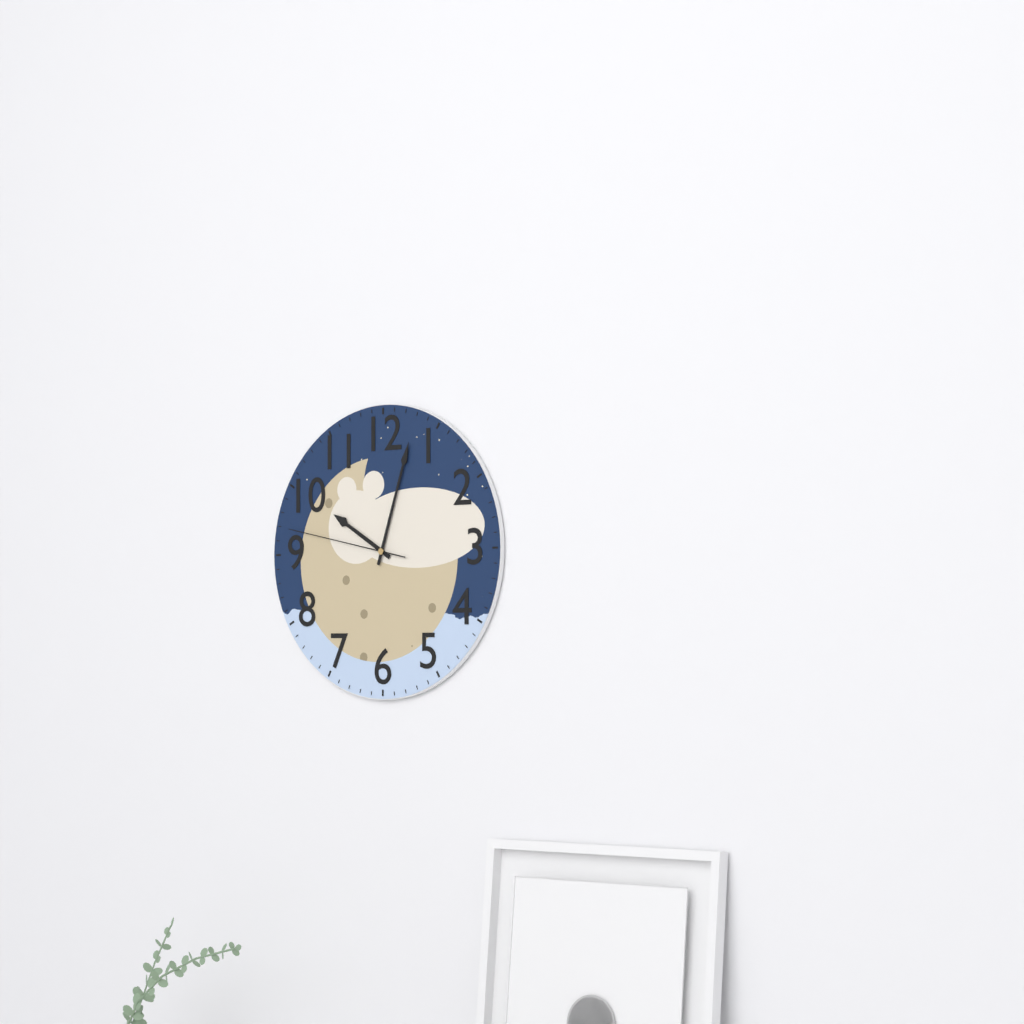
10:03:47
